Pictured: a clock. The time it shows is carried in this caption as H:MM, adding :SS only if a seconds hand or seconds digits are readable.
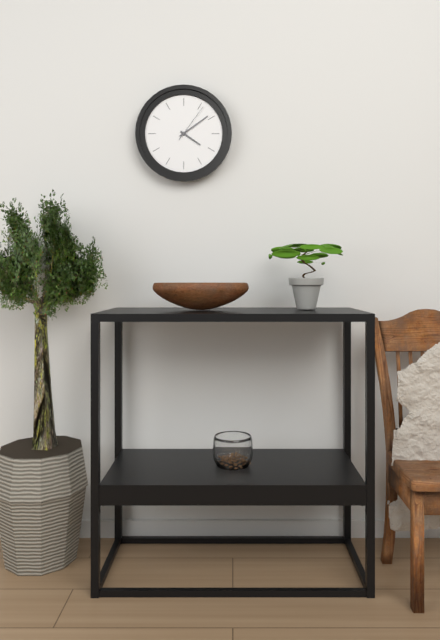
4:09
